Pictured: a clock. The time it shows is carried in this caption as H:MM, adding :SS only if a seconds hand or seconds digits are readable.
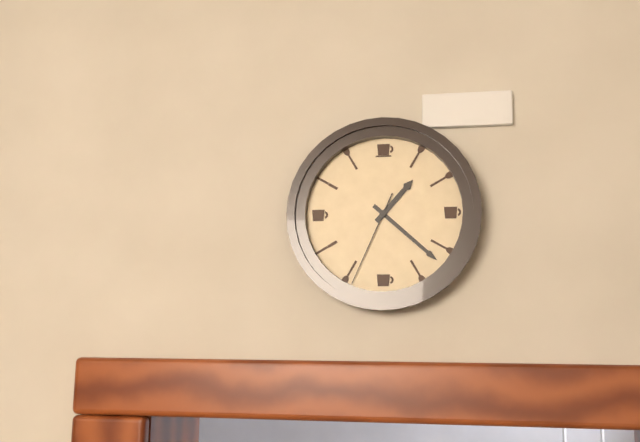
1:22:34
